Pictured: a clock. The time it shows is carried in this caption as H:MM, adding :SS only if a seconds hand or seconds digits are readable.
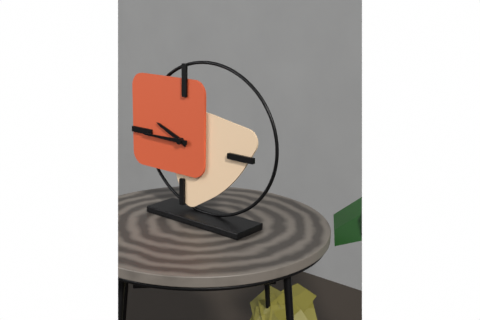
9:45
